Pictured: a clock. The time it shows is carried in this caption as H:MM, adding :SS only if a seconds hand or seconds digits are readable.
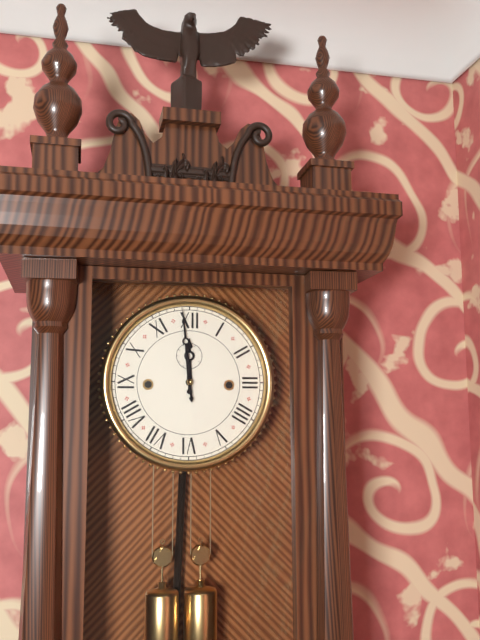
11:59
